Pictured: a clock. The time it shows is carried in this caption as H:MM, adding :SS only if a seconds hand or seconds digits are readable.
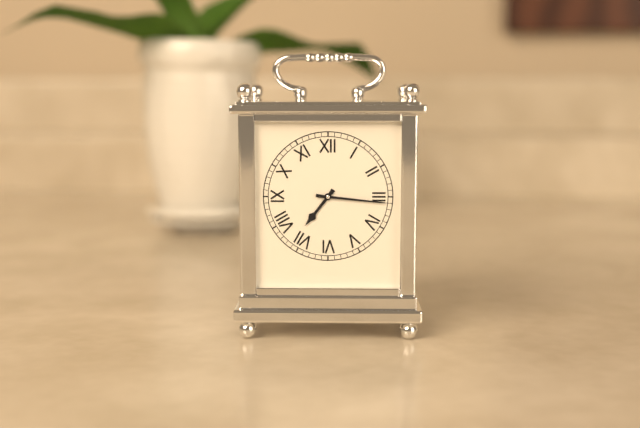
7:16
